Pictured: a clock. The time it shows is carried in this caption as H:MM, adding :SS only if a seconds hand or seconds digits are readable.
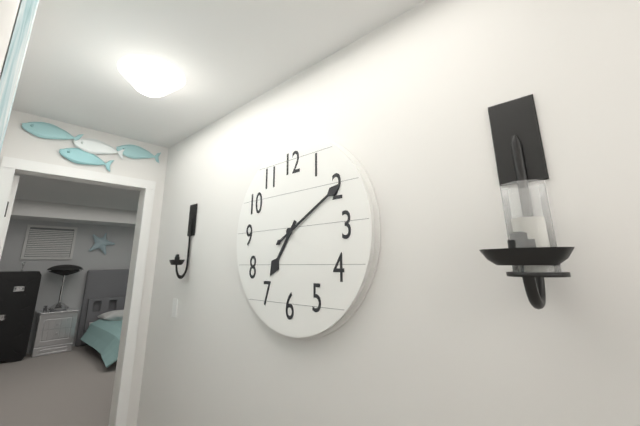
7:10
